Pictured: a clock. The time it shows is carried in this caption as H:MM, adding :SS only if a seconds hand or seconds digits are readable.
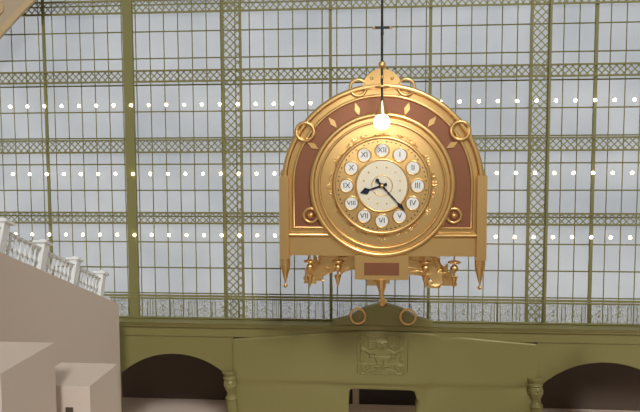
8:23
